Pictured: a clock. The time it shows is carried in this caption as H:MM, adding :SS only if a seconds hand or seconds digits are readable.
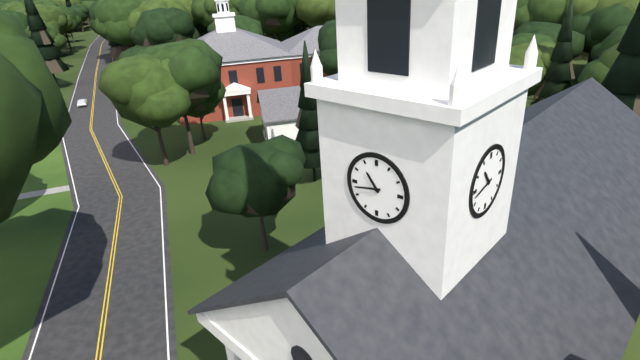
10:43
